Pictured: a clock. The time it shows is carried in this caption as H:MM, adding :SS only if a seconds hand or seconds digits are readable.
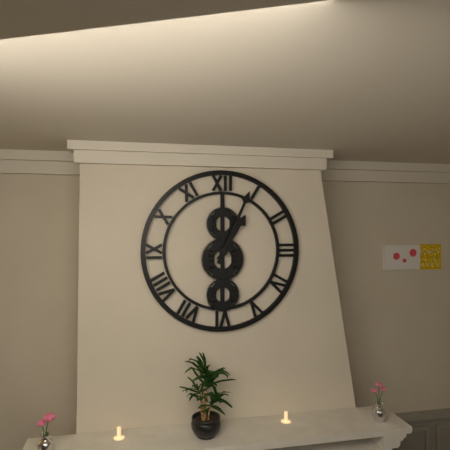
1:04
